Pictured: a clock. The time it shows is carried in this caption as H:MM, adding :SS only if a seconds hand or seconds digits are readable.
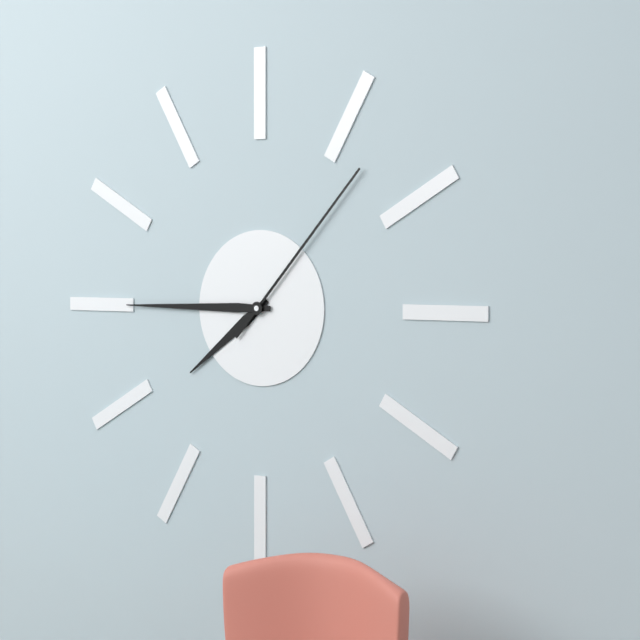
7:45:07
